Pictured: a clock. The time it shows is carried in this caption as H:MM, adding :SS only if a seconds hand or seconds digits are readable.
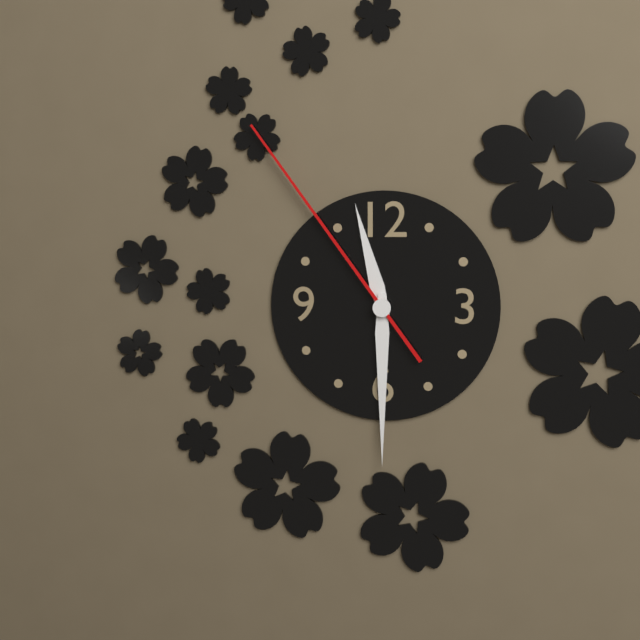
11:30:54
